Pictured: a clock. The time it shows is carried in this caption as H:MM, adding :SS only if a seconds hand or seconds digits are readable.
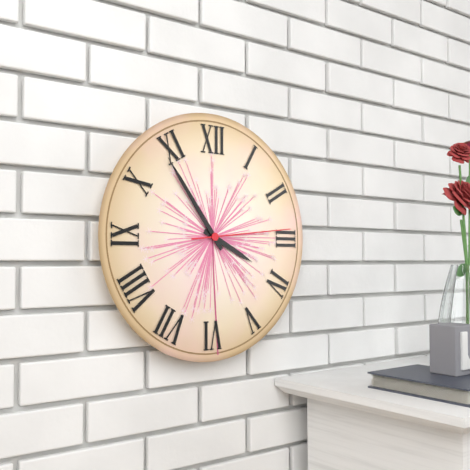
3:54:14
